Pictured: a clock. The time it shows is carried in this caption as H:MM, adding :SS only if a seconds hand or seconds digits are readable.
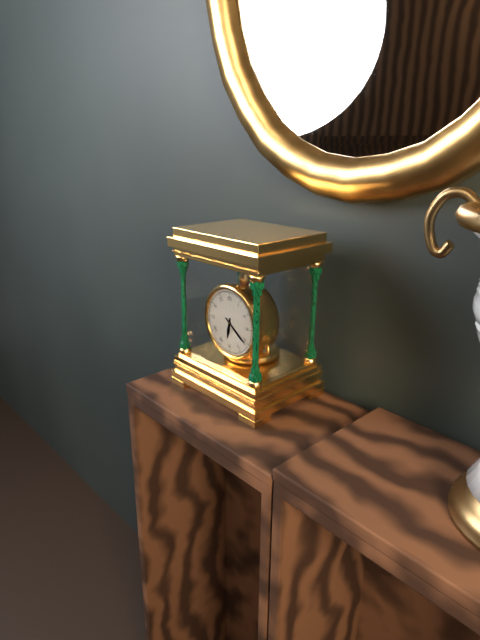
6:21
